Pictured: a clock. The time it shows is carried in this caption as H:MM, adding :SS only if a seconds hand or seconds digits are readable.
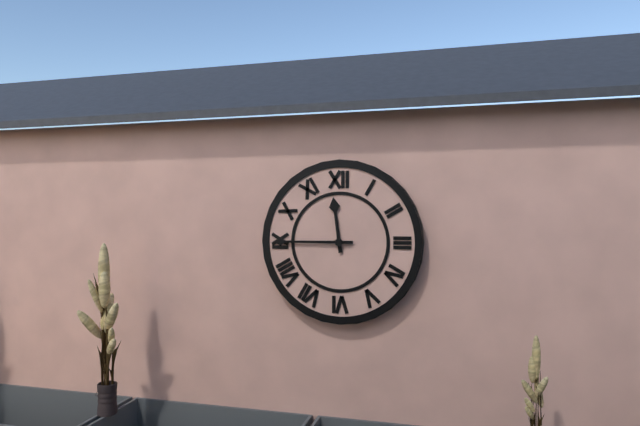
11:45
